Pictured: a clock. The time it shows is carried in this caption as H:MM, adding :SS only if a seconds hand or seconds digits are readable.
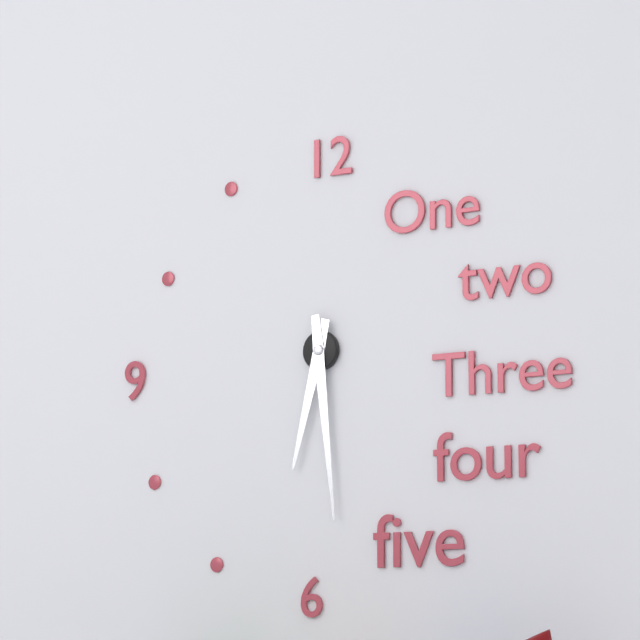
6:29
